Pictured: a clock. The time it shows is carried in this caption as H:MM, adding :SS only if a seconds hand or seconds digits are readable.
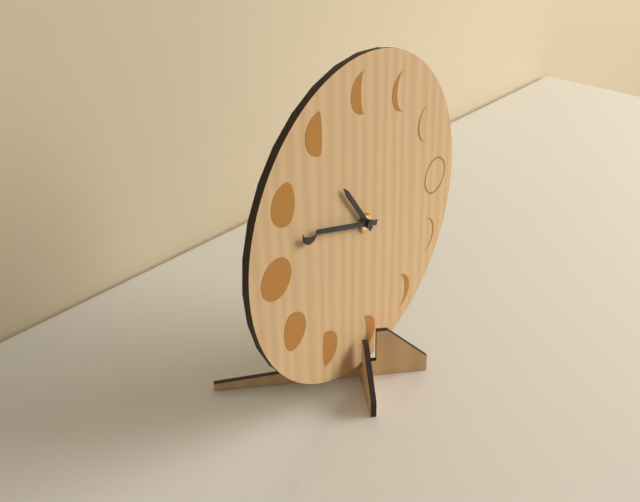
10:48
